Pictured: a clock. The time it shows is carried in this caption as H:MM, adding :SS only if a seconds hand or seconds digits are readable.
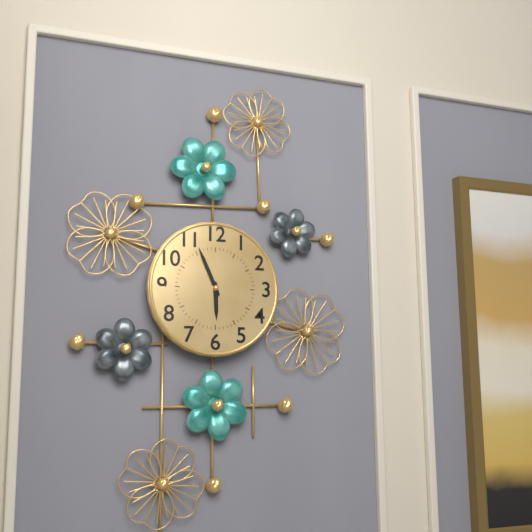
5:56
